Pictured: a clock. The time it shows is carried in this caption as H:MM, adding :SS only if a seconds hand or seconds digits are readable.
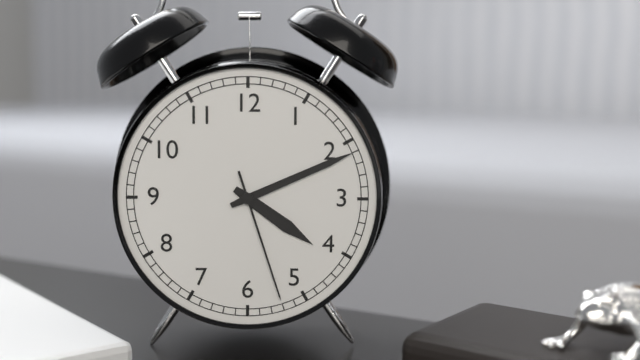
4:11:27
